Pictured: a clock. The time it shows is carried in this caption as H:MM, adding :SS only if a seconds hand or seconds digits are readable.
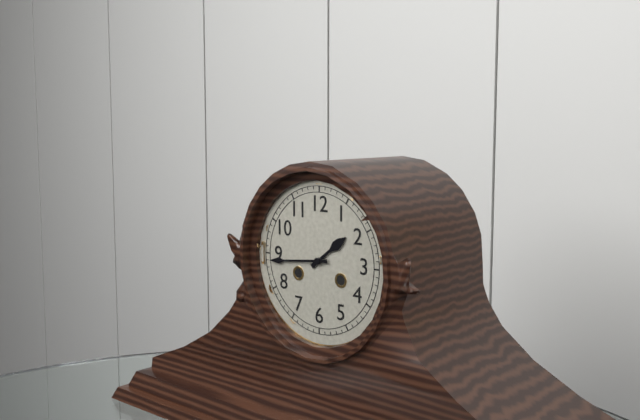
1:44
